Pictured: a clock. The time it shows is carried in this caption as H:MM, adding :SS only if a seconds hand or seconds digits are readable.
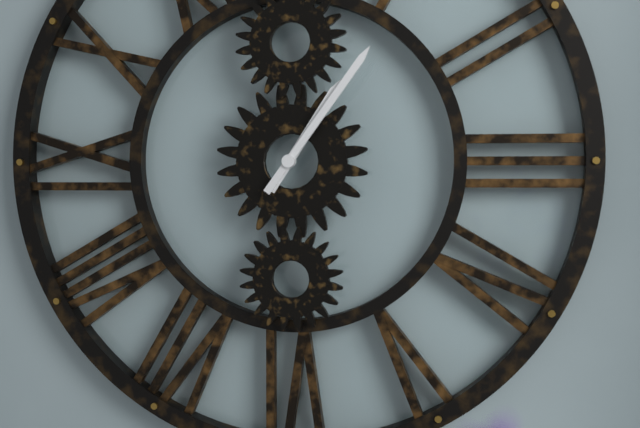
1:06
